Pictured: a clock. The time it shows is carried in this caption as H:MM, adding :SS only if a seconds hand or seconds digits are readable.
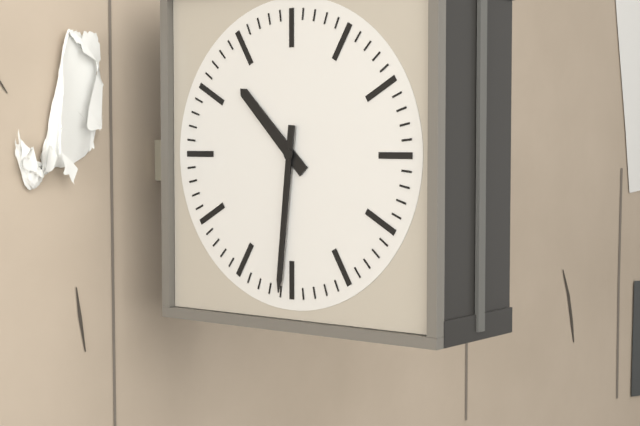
10:31
